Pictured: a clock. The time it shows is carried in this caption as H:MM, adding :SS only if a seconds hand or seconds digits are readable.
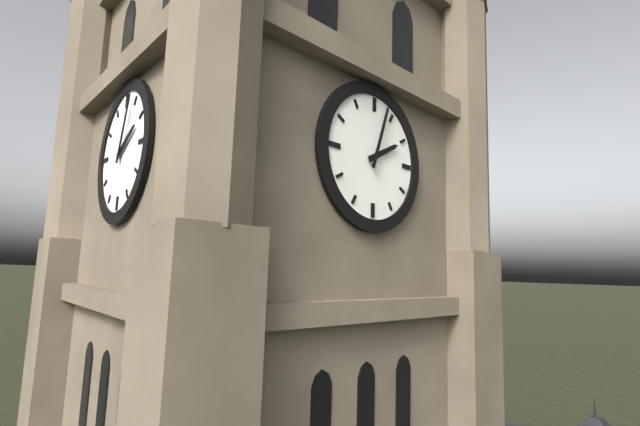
2:03
